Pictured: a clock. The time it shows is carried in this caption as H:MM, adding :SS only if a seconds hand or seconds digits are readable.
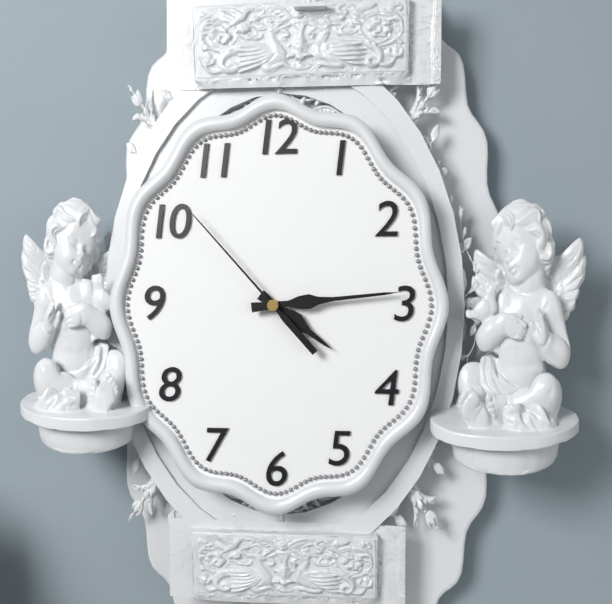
4:14:53
